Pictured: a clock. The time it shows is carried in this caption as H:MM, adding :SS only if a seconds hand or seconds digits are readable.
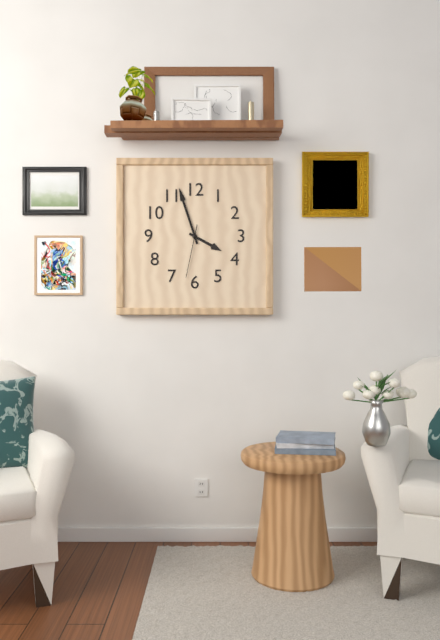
3:57:32
